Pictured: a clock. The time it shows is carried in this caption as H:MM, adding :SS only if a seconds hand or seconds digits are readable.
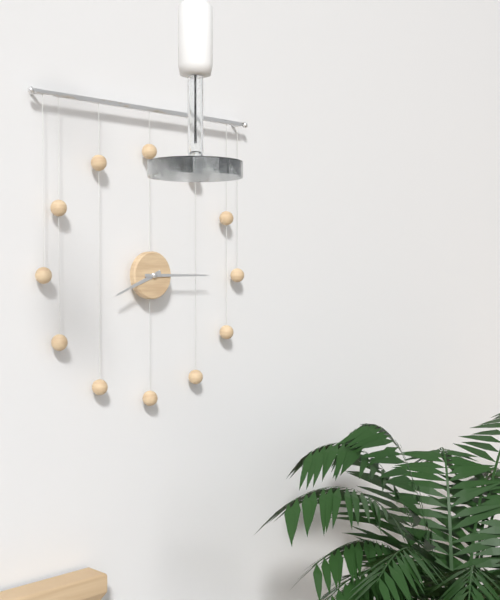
8:15
